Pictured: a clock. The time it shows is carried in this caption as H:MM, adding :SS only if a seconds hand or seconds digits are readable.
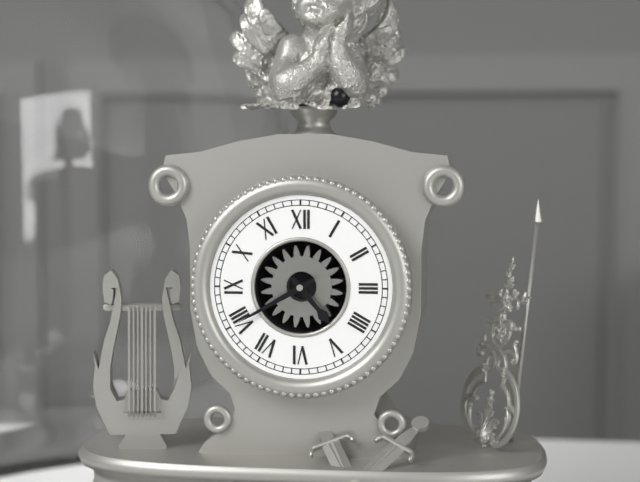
4:40
